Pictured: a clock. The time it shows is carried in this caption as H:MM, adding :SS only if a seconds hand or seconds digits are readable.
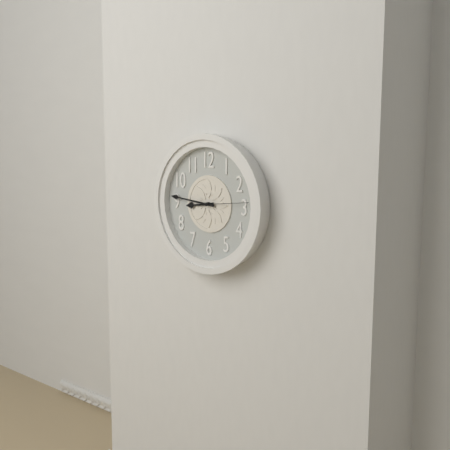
8:46:14
